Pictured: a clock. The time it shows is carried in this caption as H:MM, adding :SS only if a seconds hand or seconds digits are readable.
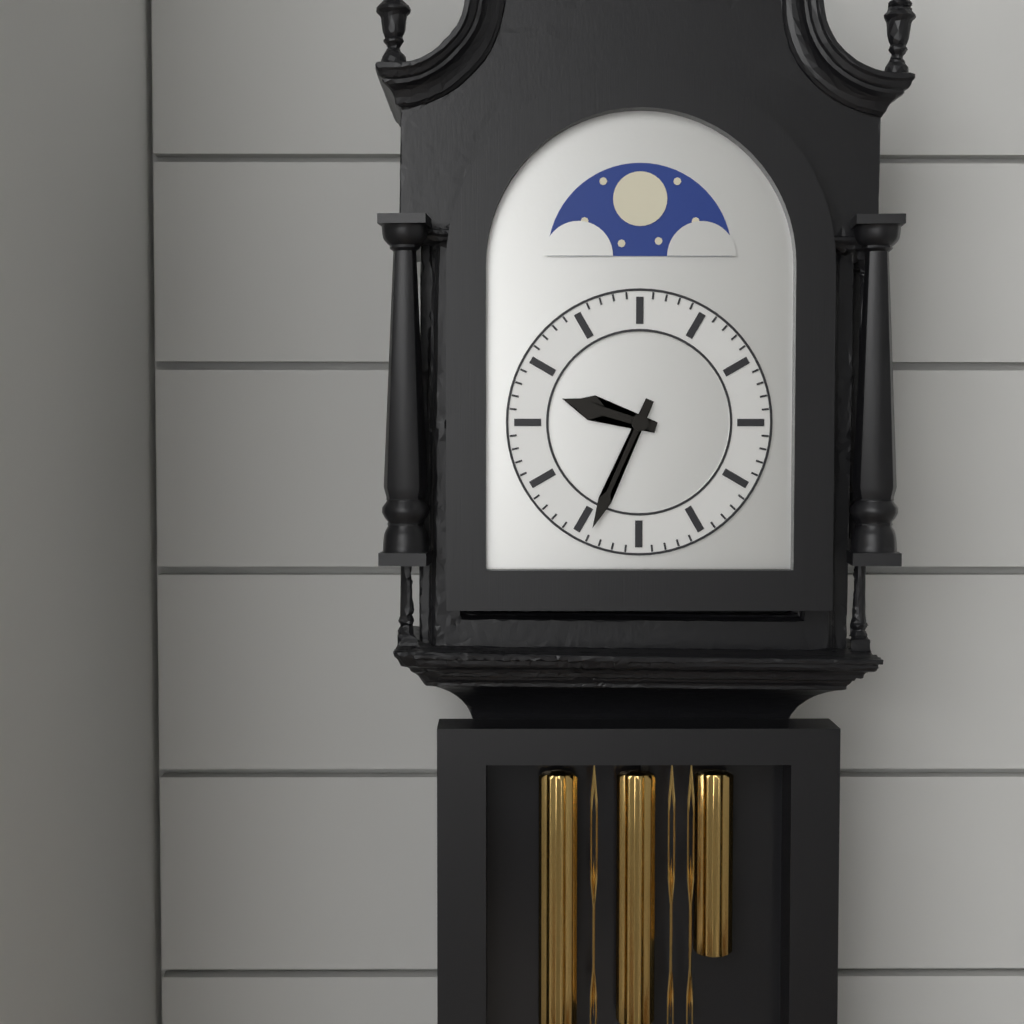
9:34
